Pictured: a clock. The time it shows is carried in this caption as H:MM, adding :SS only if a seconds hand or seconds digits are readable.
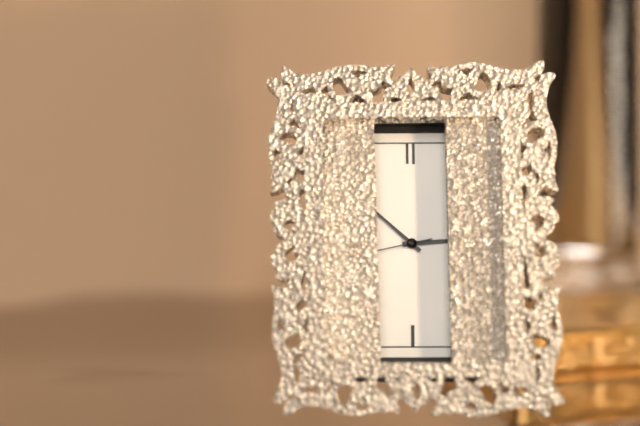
2:52:43
